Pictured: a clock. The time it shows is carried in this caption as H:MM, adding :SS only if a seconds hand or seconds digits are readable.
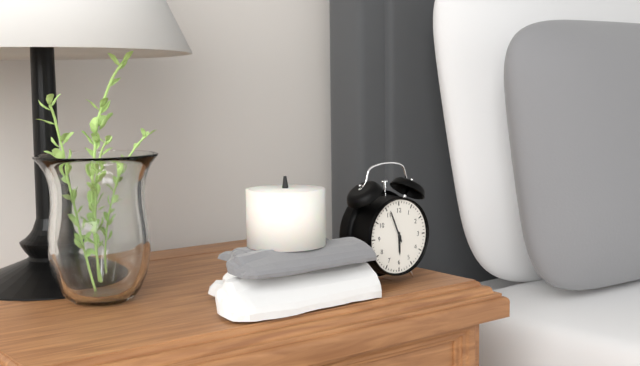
5:56
